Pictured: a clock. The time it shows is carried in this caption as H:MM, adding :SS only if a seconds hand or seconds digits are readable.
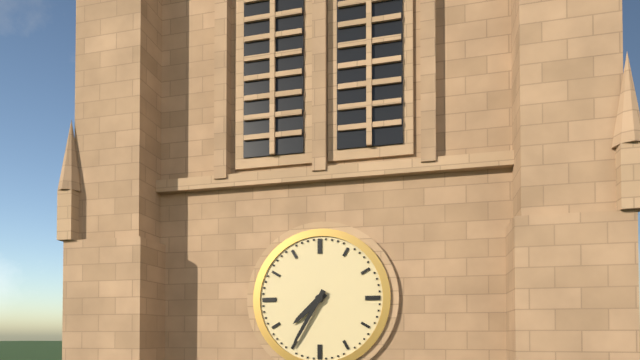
7:35
